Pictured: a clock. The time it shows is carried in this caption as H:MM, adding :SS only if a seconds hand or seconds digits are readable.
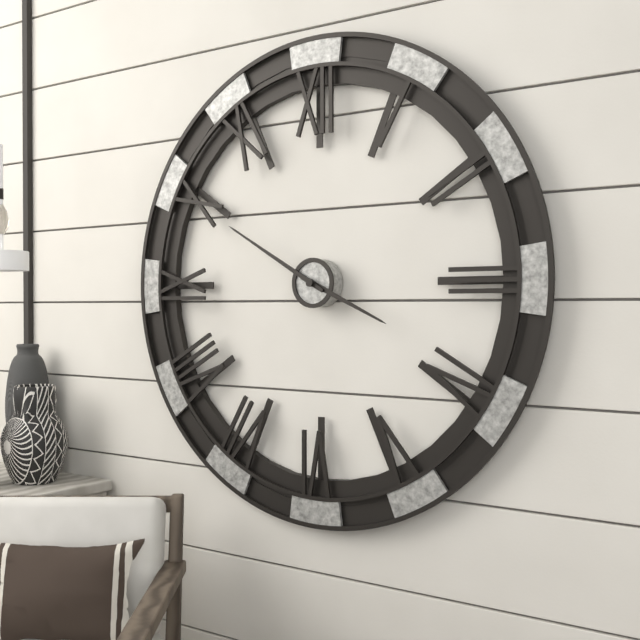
3:50
